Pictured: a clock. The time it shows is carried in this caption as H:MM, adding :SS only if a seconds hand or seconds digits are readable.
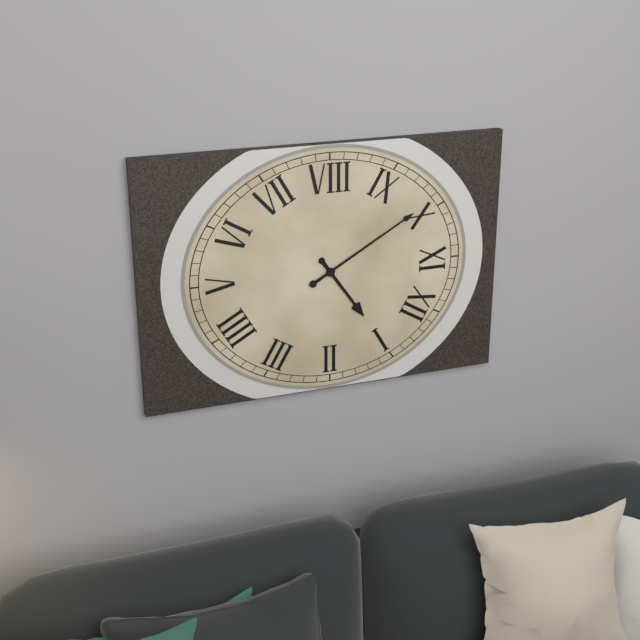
12:50
